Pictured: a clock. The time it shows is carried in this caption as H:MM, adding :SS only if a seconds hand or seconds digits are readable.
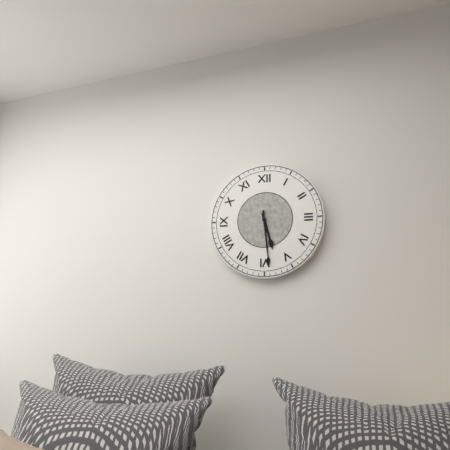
5:29
